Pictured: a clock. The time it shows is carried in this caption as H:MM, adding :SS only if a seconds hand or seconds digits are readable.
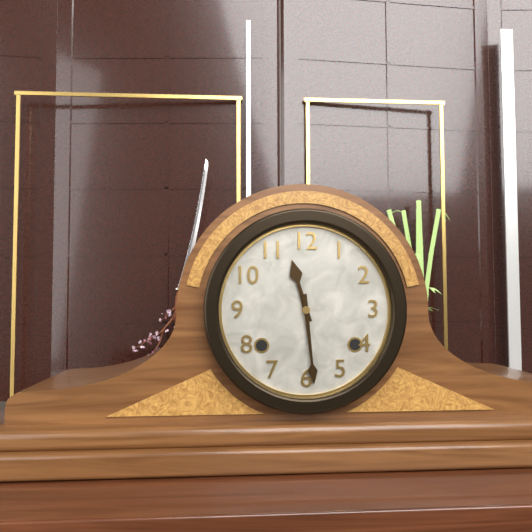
11:29
